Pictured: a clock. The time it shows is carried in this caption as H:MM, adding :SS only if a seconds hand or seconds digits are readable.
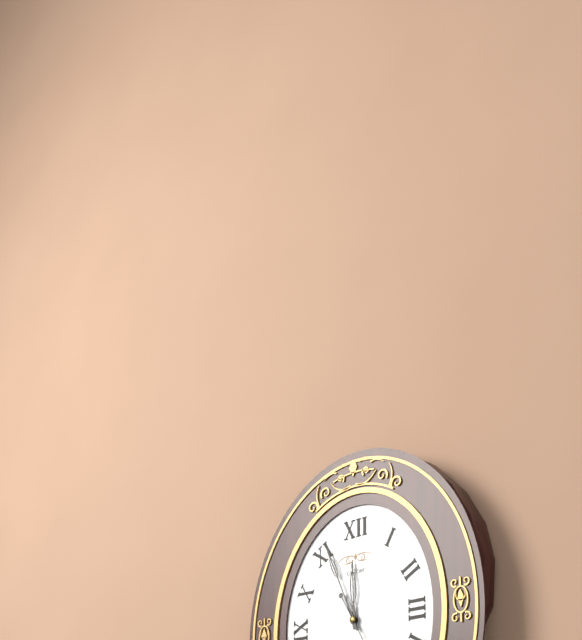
11:56
